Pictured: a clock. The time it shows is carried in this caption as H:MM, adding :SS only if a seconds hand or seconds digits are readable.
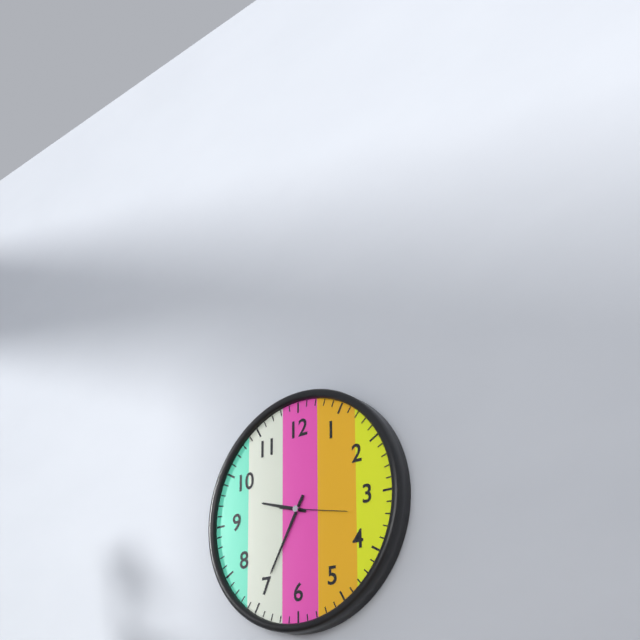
9:35:17
